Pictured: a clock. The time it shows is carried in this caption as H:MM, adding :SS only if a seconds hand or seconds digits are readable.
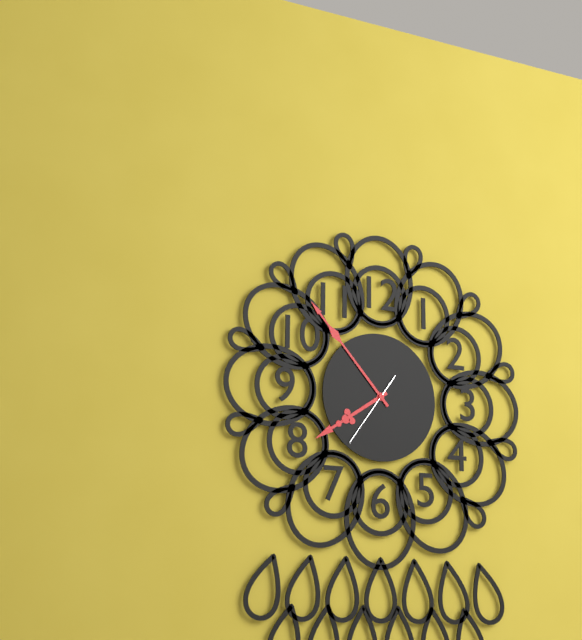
7:53:36
